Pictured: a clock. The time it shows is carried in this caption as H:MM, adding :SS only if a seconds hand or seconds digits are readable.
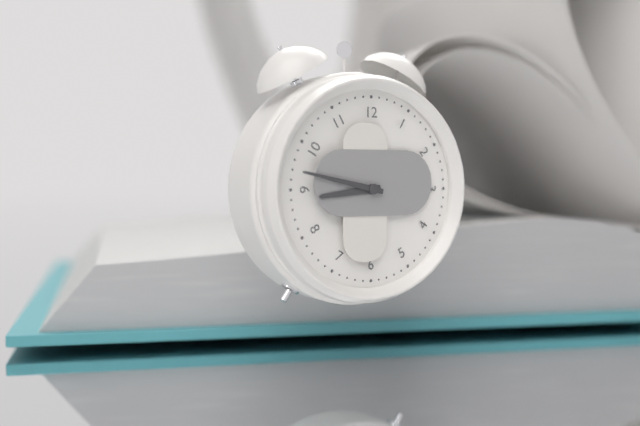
8:47
